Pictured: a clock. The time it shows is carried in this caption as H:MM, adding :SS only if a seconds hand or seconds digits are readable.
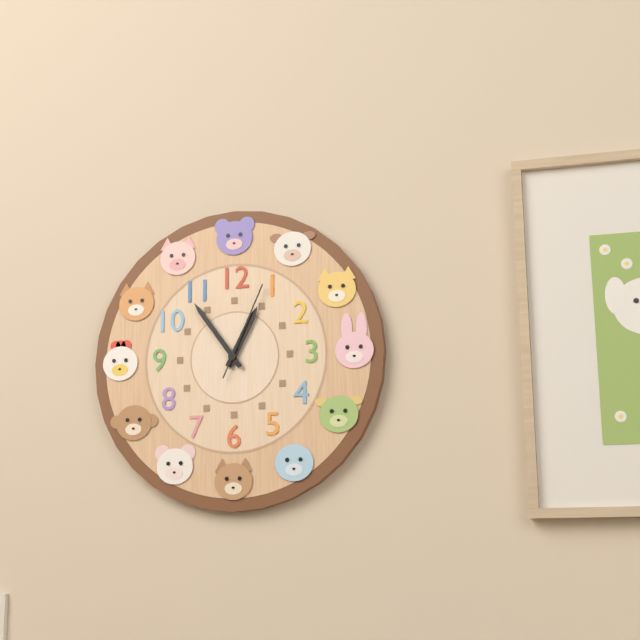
12:54:04
